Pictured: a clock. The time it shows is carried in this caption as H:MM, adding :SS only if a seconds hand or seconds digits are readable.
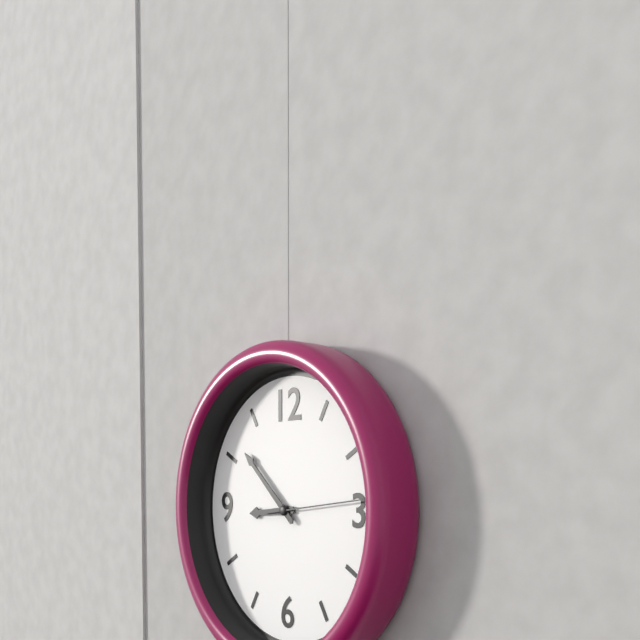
8:52:14
